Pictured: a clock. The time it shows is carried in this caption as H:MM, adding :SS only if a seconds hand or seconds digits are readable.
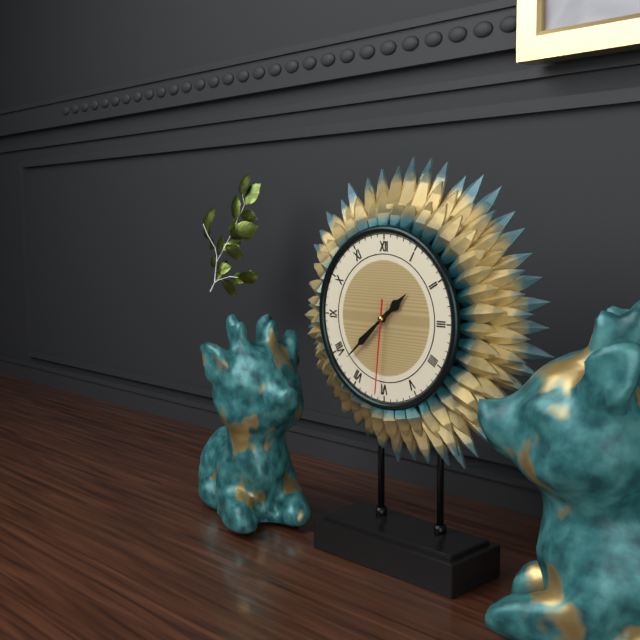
1:38:31
